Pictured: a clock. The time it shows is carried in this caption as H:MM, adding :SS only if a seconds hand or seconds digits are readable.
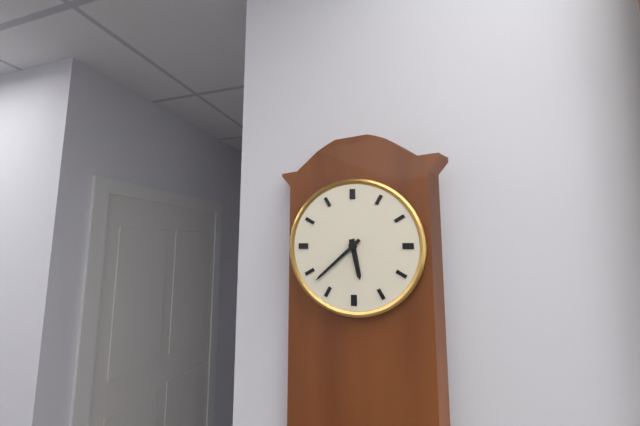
5:38
